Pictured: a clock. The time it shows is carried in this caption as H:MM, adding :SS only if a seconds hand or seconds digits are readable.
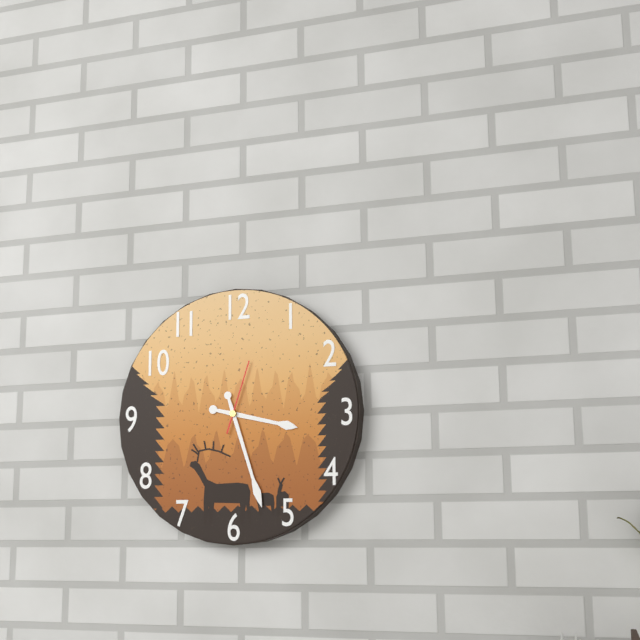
3:27:03
